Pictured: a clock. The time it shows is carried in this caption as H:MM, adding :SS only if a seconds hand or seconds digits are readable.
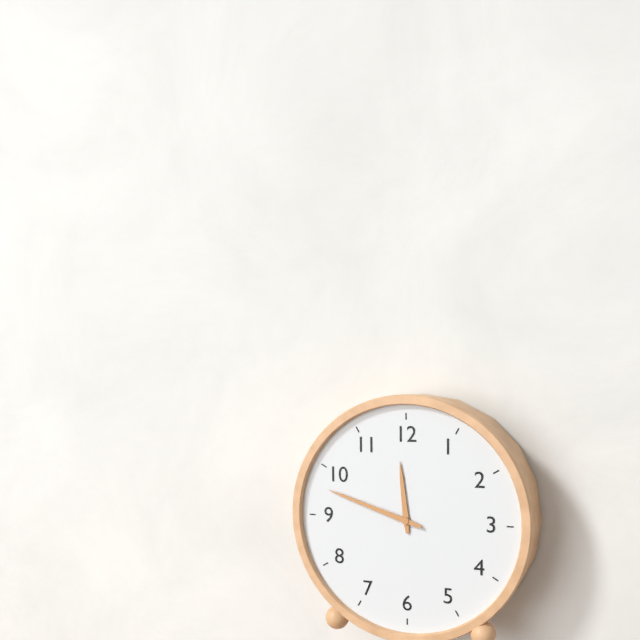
11:48
